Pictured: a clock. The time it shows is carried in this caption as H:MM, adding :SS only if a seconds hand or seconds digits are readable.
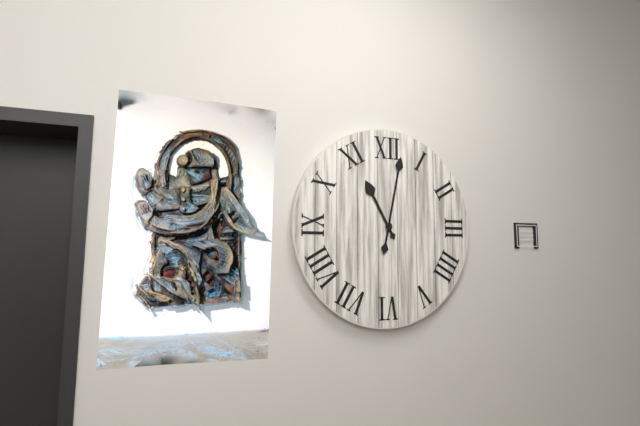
11:02
